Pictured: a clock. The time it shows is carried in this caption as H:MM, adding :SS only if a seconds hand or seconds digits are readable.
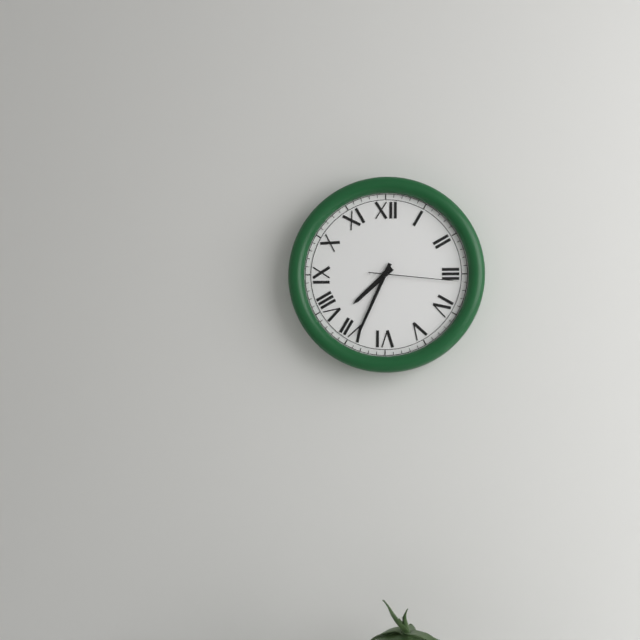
7:34:16
